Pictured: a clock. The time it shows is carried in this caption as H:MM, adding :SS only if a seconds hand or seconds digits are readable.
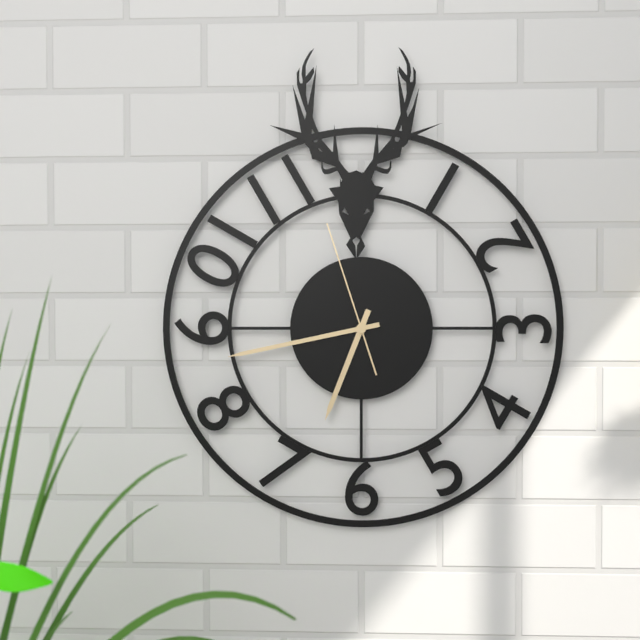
6:43:57
